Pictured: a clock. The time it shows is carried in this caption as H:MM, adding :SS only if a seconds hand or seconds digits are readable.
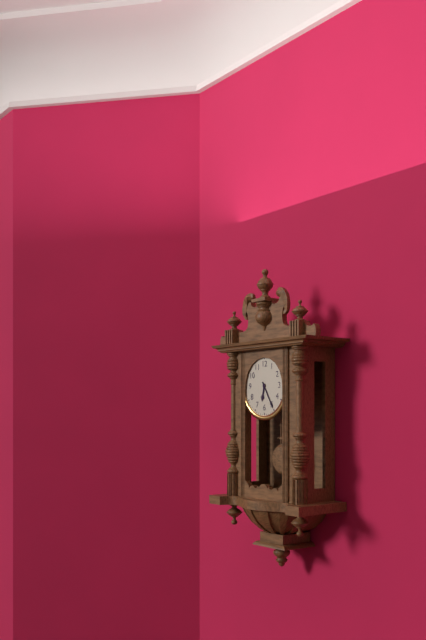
6:25
